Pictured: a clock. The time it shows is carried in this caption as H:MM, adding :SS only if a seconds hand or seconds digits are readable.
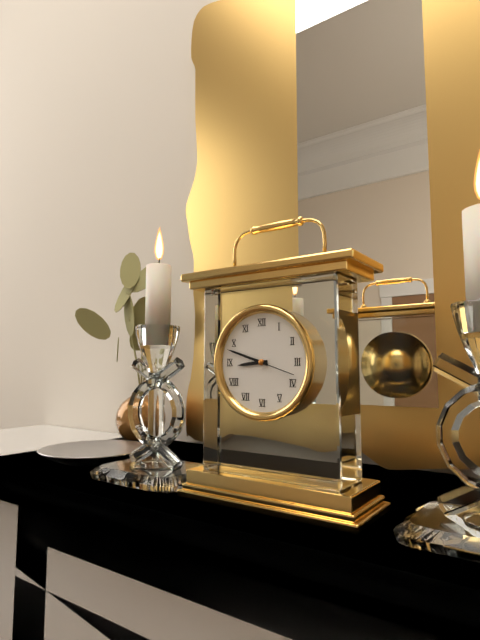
8:48
